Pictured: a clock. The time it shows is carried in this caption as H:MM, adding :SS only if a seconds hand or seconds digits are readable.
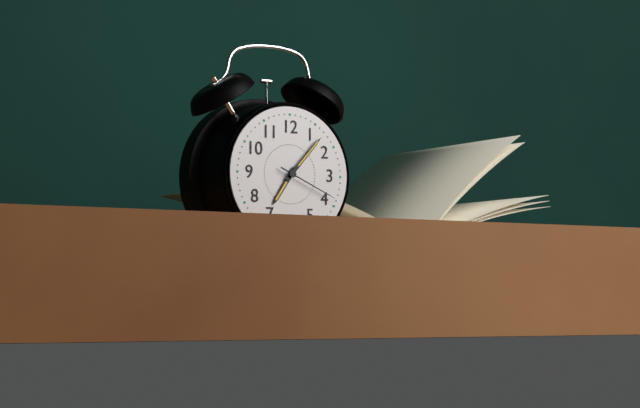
7:07:19
